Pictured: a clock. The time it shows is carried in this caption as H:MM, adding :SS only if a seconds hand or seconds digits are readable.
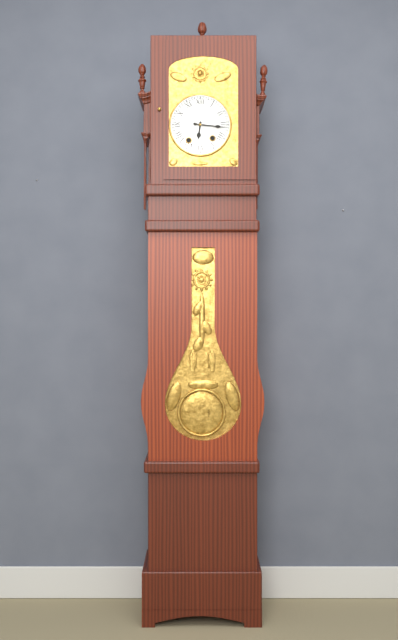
6:16
